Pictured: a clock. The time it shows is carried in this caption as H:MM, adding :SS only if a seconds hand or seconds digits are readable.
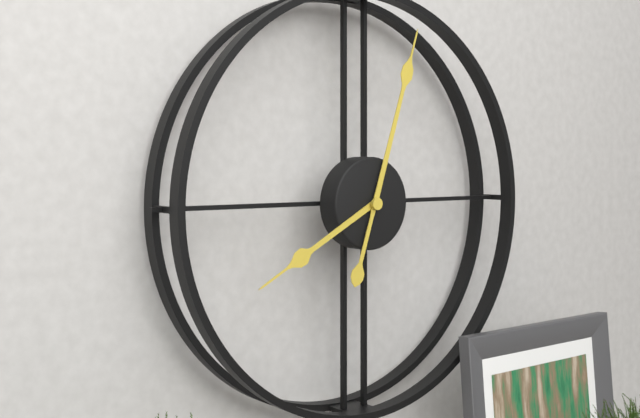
8:03
